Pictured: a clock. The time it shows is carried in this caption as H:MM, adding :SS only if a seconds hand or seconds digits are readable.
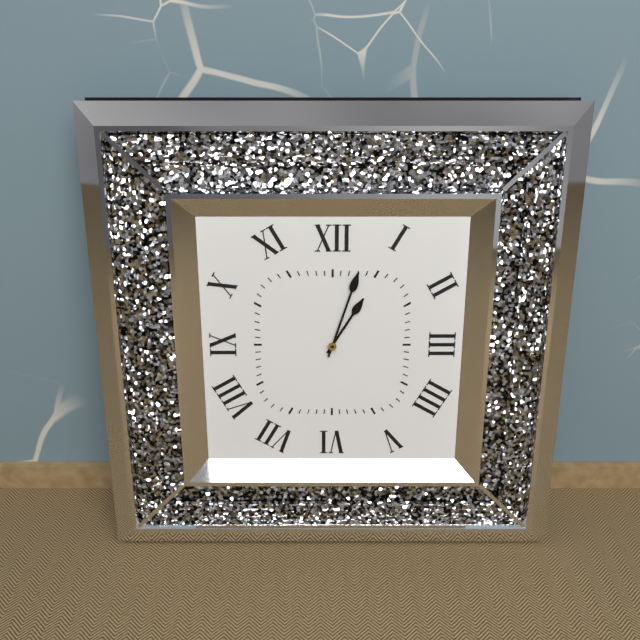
1:03
